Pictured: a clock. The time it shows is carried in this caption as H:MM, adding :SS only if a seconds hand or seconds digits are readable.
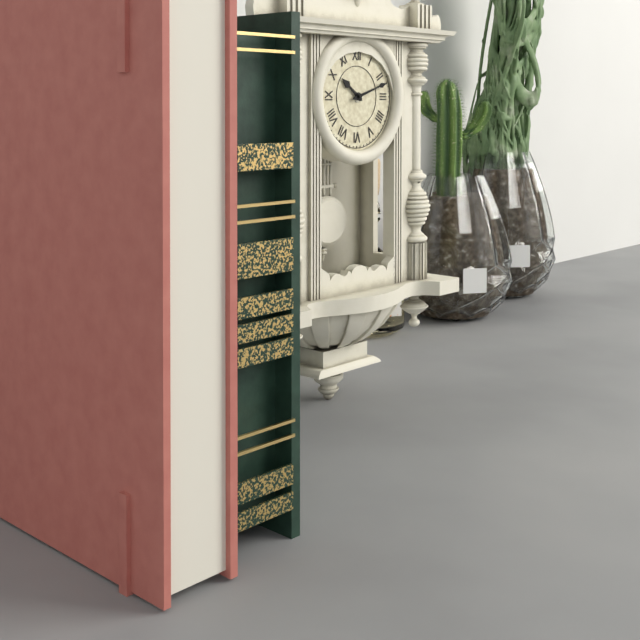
10:12
